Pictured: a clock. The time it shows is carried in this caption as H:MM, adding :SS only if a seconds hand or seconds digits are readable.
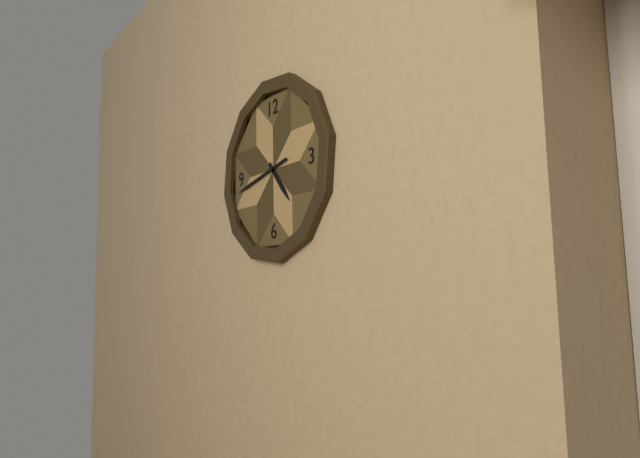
4:43
